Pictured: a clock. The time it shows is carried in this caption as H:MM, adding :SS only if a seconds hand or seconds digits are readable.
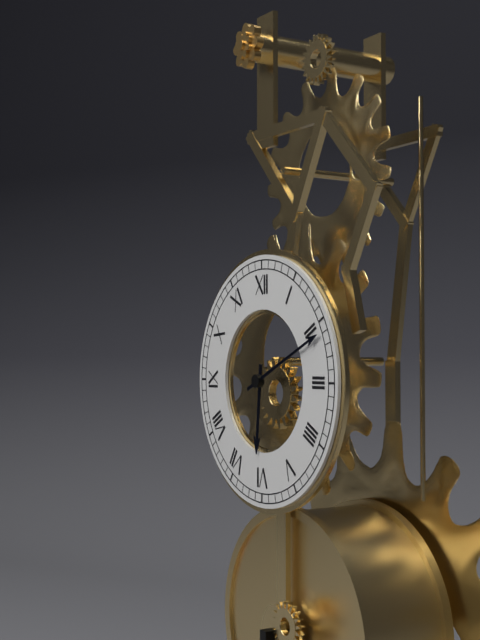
6:11
